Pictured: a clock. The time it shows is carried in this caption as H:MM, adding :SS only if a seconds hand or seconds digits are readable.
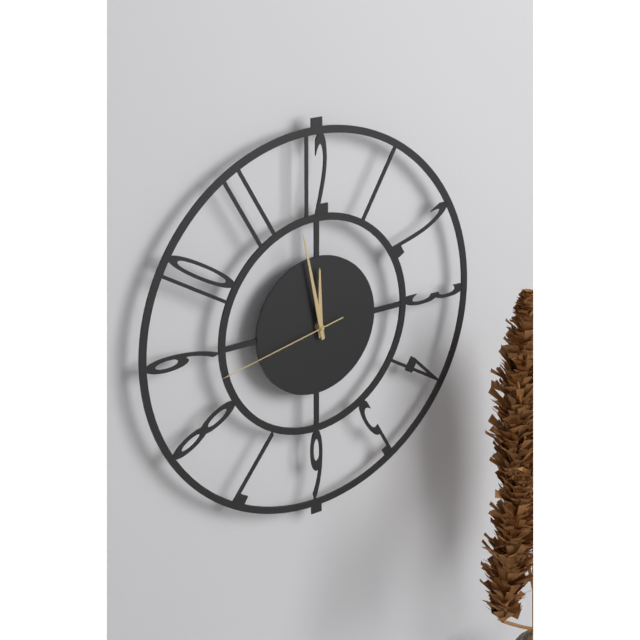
11:58:43
